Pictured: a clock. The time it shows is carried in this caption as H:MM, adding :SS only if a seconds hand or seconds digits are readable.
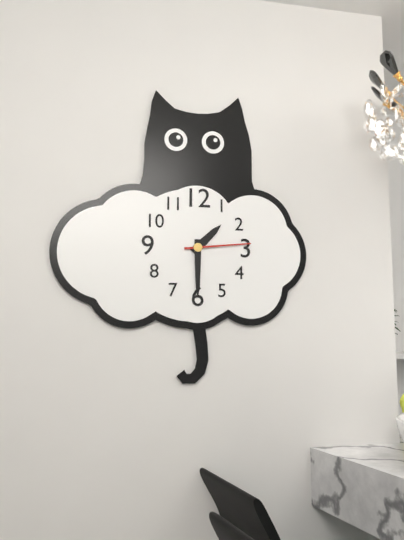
1:30:14
